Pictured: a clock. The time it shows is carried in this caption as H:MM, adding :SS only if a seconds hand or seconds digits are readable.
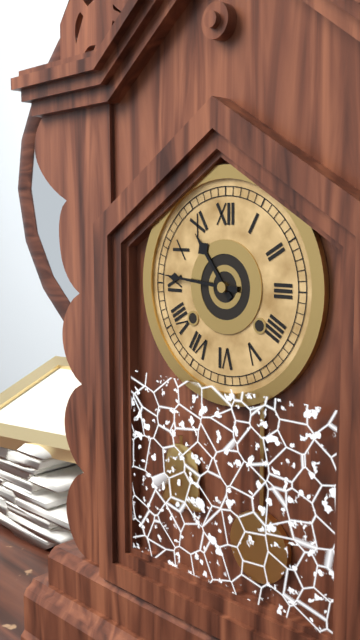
10:46
